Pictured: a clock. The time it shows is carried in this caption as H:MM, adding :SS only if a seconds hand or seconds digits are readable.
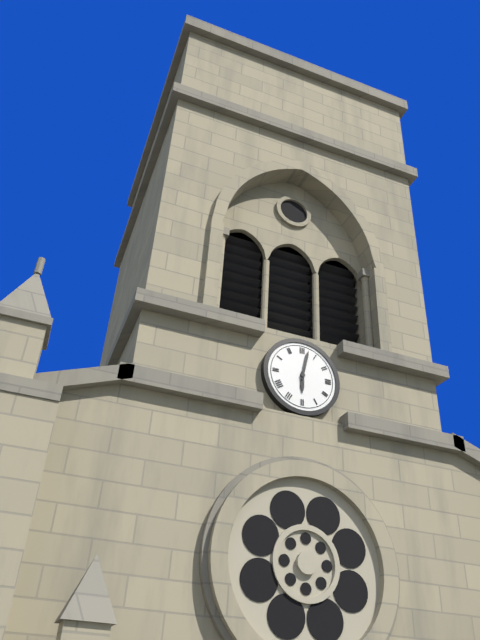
6:02
